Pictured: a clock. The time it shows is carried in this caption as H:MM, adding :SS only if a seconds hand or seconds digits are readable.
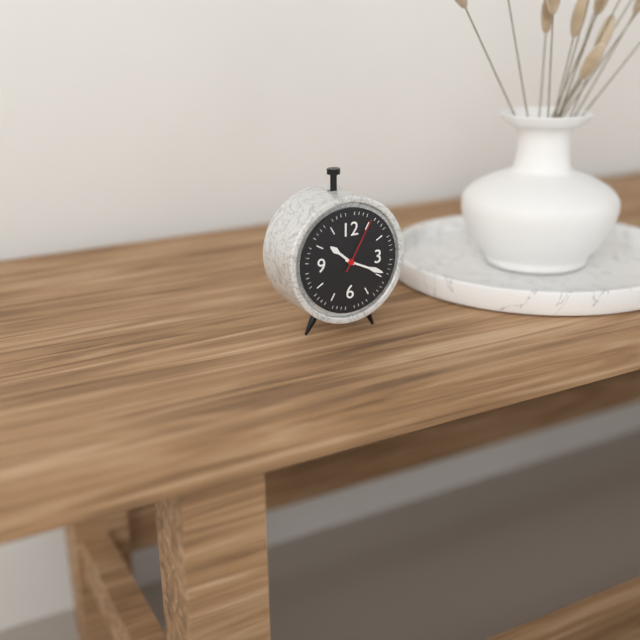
10:19:05
